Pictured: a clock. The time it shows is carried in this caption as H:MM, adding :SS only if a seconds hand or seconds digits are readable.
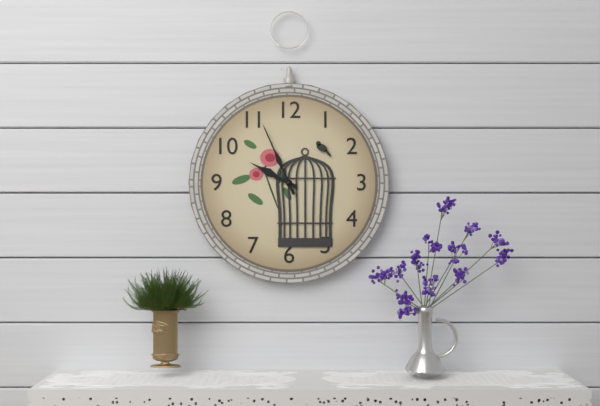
9:56
